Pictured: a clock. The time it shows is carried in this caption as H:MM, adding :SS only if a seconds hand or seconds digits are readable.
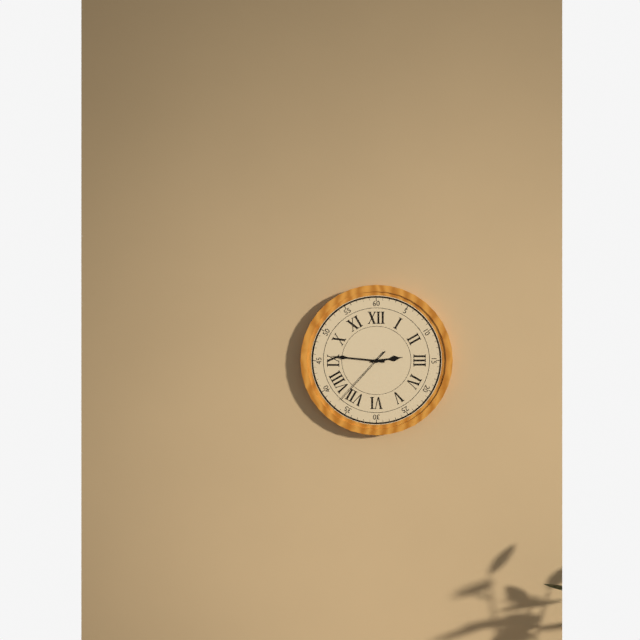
2:46:37
